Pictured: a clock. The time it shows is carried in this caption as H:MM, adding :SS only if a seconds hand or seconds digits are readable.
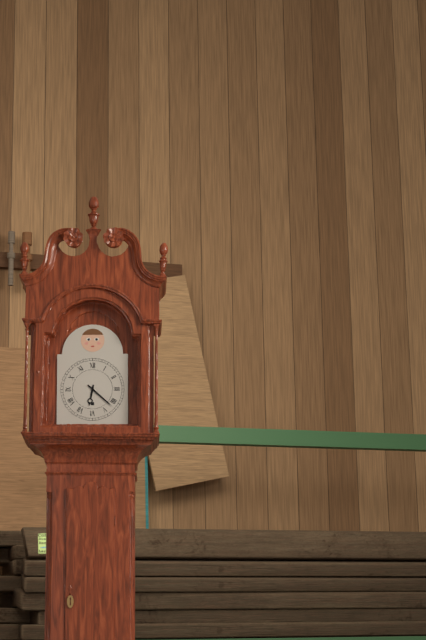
6:22
